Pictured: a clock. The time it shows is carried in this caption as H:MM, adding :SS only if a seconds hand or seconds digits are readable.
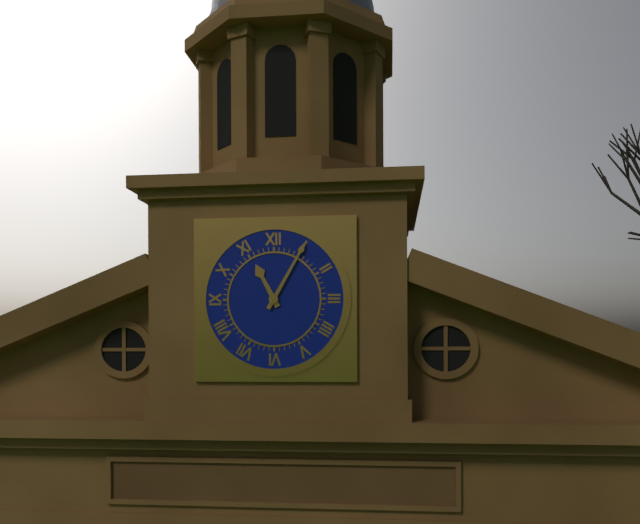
11:05
